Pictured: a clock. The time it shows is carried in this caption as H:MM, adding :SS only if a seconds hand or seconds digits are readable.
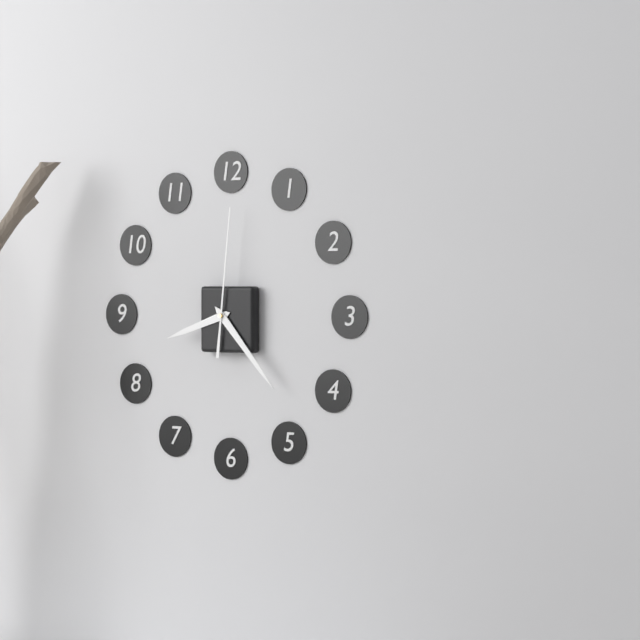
8:23:01
